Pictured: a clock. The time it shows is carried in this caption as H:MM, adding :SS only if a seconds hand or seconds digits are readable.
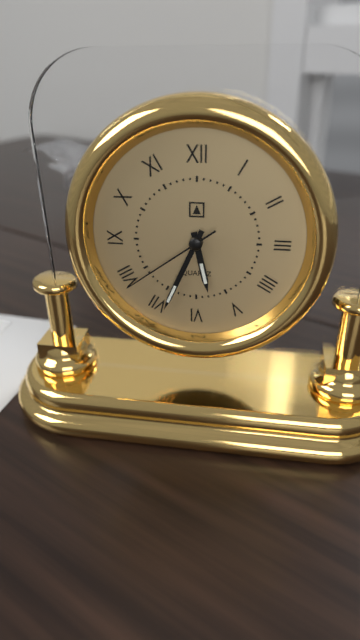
5:34:39
